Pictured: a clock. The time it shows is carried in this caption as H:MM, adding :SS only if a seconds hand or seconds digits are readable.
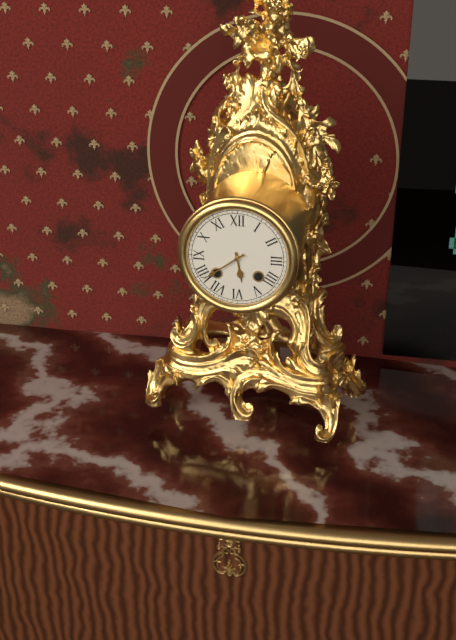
5:39
